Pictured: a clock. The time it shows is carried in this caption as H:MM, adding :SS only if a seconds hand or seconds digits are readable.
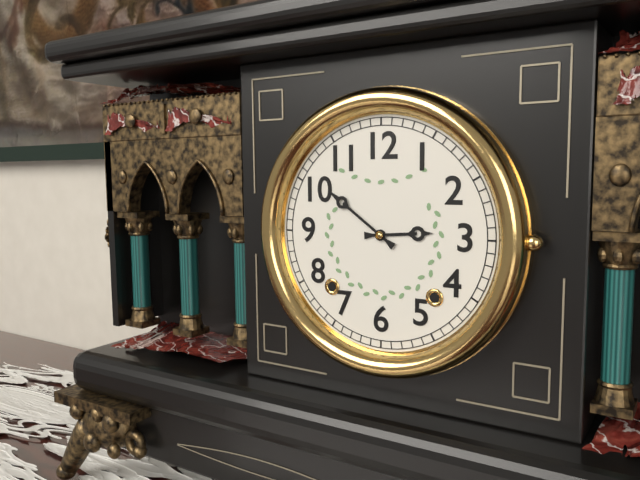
2:51
